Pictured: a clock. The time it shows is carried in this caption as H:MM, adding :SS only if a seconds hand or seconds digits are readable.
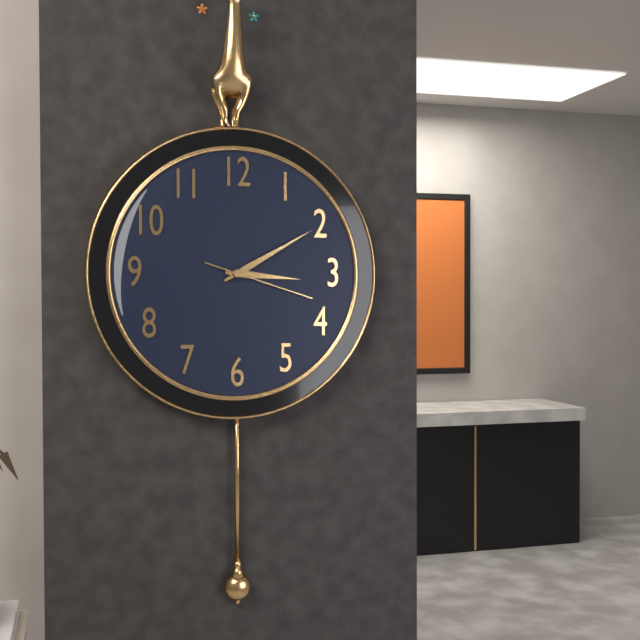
3:10:18
